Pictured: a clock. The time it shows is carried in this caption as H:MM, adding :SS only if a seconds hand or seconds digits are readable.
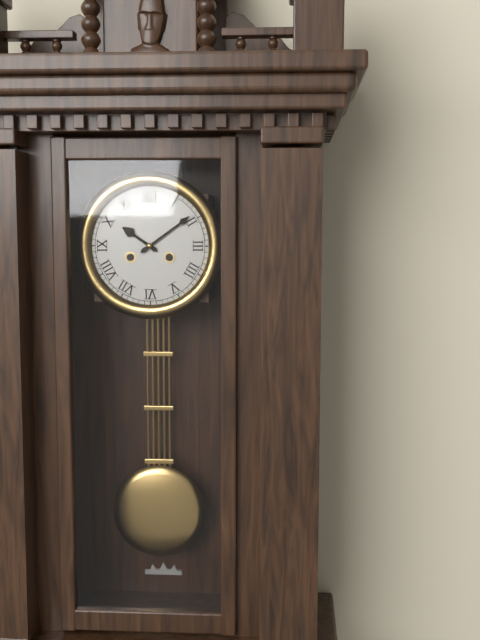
10:09
